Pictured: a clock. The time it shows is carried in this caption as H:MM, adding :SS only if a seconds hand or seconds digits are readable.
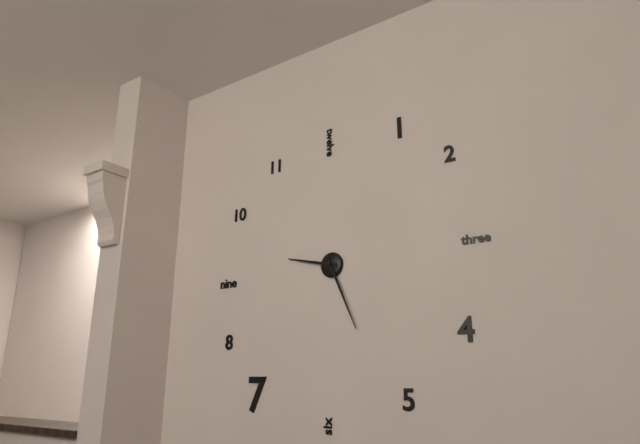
9:26
